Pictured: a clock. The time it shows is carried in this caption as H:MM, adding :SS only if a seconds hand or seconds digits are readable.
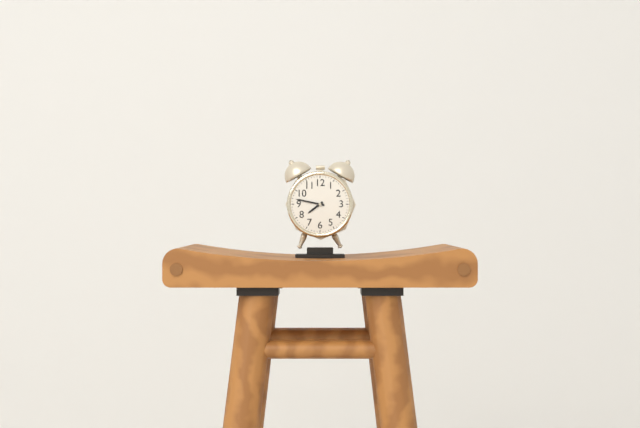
7:47
